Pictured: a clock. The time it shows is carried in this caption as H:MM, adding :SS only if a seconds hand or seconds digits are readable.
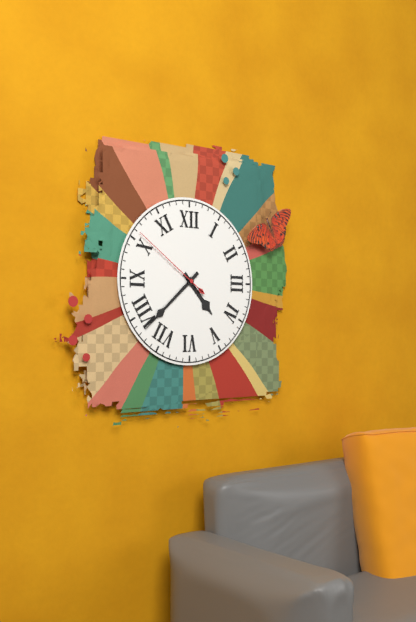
4:38:51
